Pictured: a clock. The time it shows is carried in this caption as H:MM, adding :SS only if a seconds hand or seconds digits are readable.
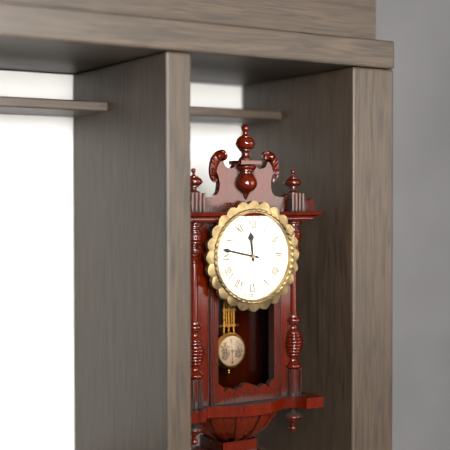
11:47
